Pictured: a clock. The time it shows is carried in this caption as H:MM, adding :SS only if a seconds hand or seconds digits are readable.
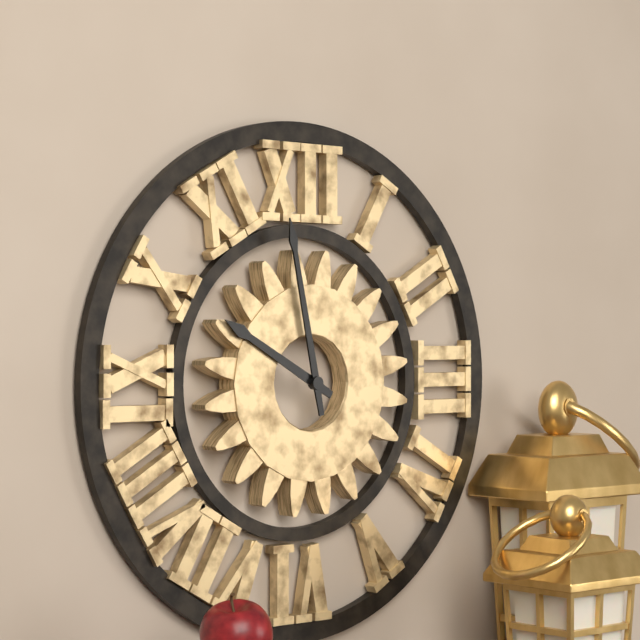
9:58
